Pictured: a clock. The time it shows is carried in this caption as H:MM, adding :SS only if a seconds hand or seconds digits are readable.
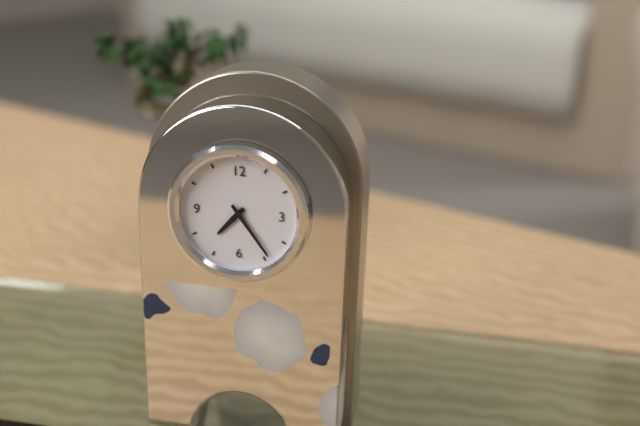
7:24
